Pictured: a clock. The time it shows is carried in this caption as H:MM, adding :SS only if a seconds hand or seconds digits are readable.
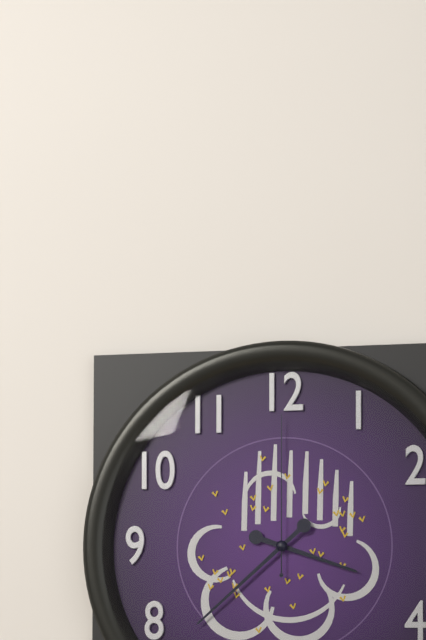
3:38:00
